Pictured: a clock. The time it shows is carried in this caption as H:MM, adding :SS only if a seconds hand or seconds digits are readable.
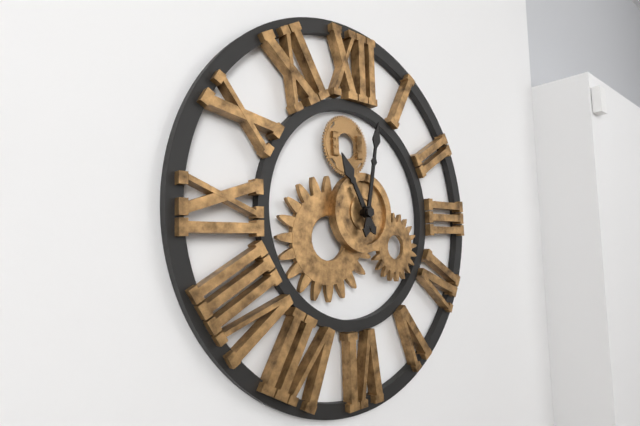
11:02
